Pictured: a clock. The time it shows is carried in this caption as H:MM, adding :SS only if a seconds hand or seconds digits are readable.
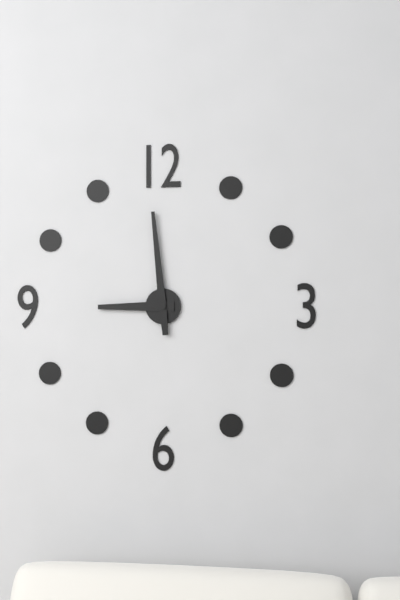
8:59
